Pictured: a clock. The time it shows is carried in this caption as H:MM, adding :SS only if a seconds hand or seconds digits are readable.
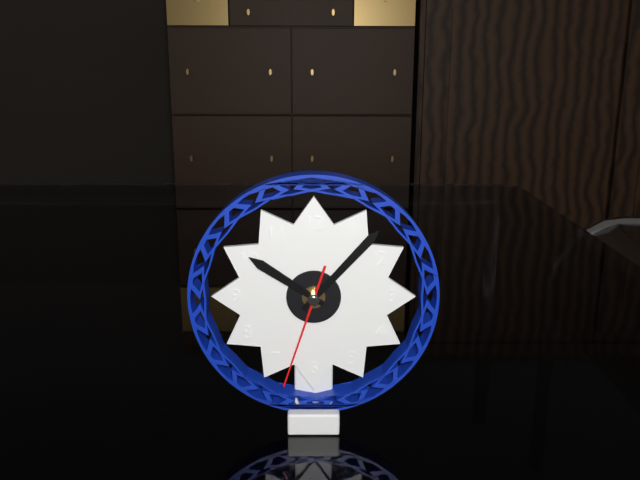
10:07:33
